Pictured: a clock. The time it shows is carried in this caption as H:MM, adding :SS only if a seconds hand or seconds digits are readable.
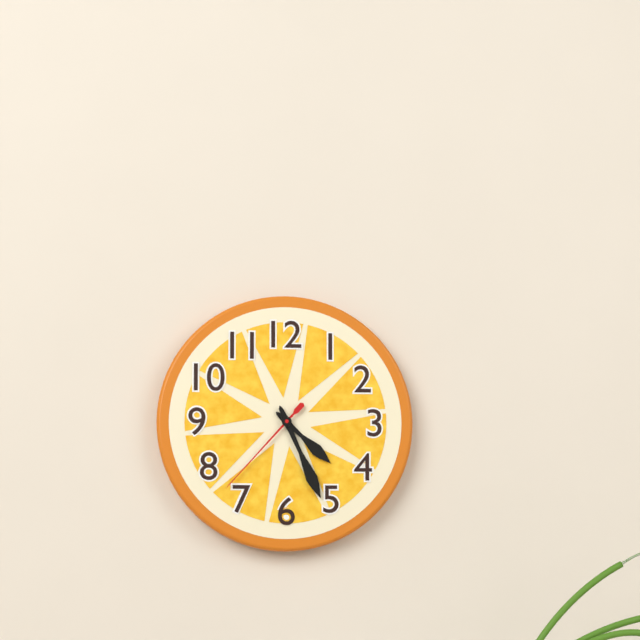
4:26:37
